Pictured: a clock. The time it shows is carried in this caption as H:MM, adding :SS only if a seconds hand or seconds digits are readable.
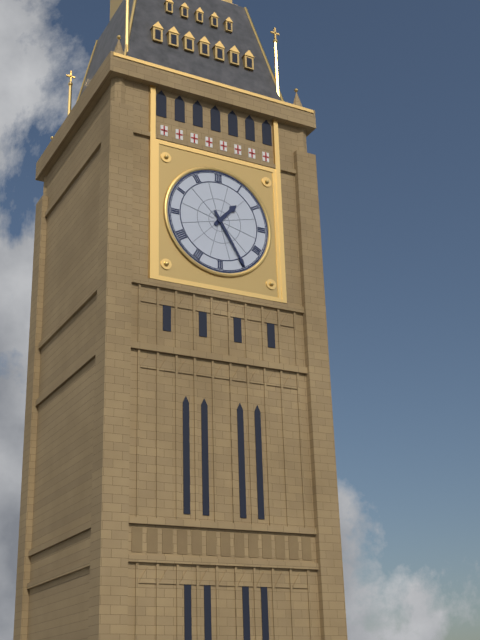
1:25
